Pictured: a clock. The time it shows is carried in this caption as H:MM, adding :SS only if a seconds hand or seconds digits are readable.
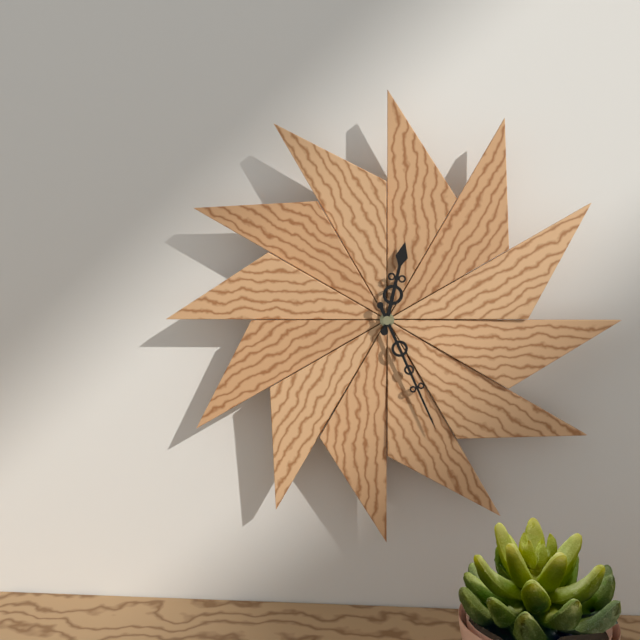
12:26
